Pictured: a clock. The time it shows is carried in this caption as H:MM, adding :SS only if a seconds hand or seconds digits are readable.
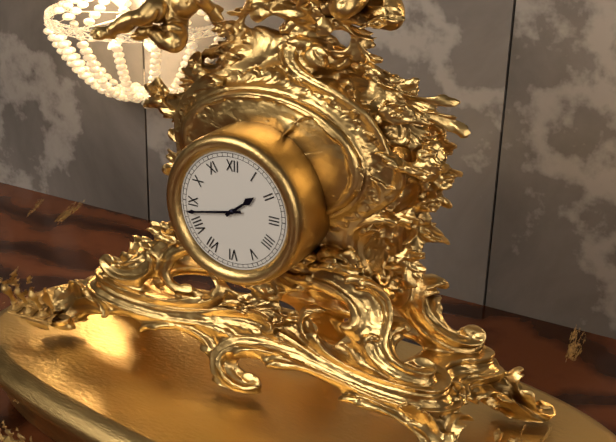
1:43
